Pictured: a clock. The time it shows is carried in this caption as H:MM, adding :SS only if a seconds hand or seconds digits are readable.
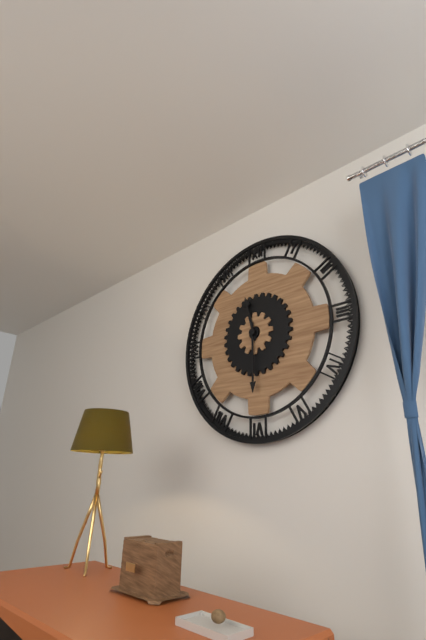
11:30
